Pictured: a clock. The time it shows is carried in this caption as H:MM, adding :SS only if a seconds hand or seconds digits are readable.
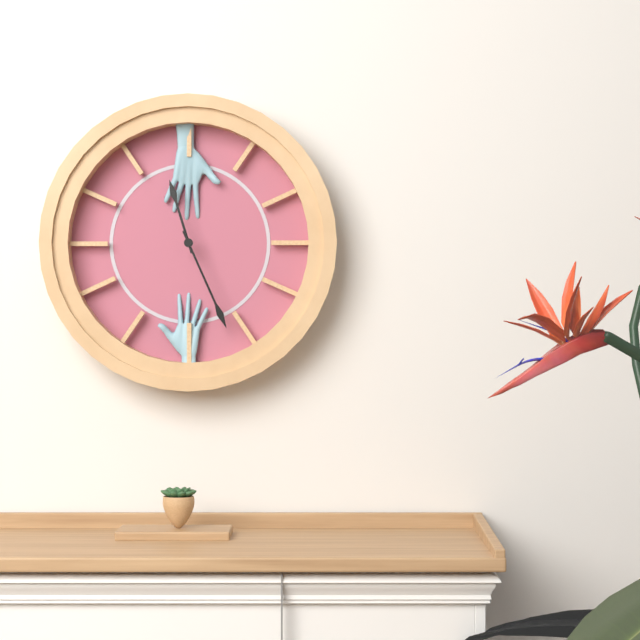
11:26
